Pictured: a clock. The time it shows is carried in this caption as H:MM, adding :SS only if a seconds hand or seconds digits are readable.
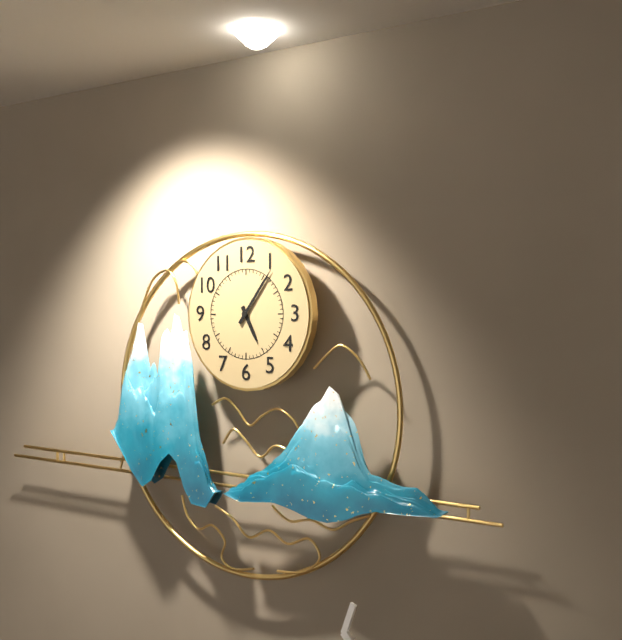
5:06
